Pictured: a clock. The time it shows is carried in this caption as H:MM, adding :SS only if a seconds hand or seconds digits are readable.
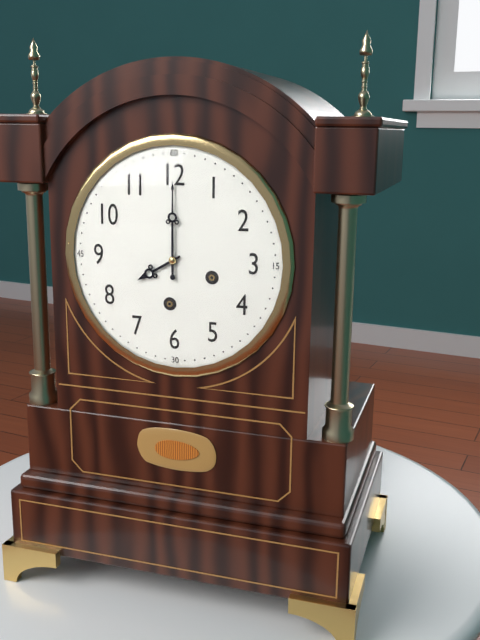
8:00
